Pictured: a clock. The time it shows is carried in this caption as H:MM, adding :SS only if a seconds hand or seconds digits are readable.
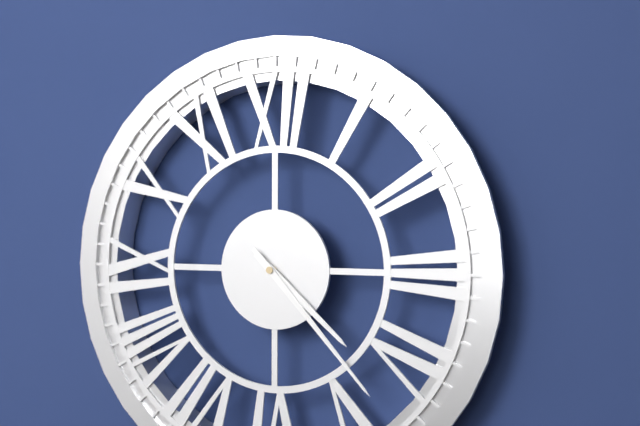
4:23
